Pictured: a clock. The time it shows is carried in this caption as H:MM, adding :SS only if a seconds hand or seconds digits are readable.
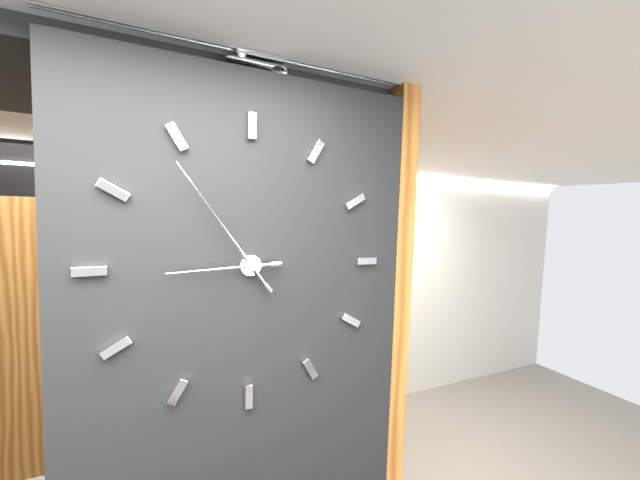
8:54
